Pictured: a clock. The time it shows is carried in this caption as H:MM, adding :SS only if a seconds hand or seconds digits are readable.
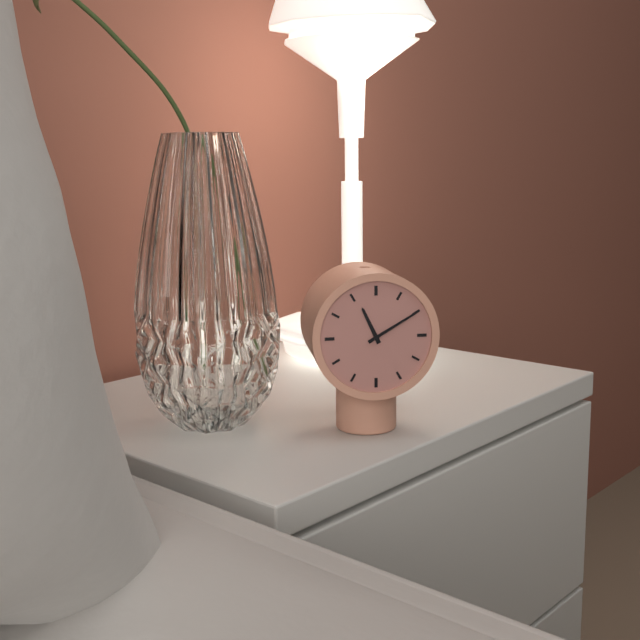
11:10
